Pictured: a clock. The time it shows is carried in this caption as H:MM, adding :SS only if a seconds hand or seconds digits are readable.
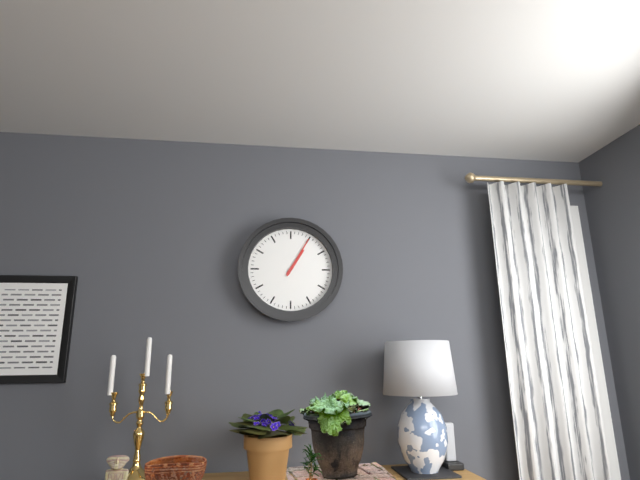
1:05
